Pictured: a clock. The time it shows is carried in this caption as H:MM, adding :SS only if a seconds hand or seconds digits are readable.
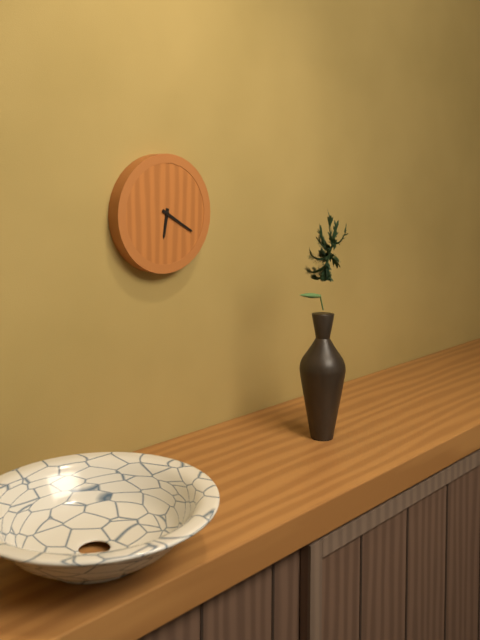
6:20
